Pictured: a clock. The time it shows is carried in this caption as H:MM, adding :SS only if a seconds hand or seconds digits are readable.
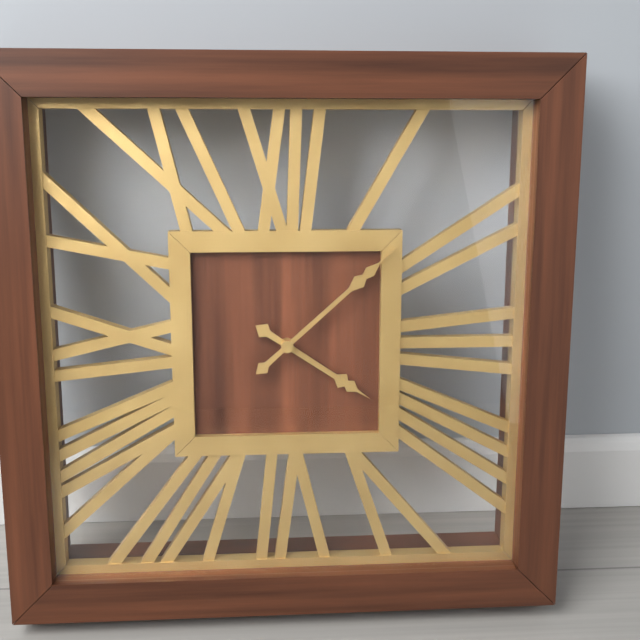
4:08
